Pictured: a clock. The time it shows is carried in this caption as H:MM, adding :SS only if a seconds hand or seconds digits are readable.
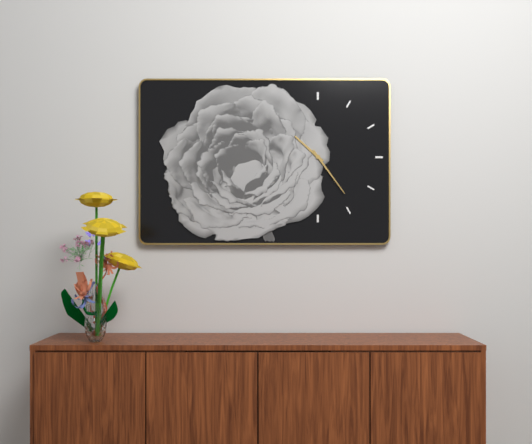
10:24
